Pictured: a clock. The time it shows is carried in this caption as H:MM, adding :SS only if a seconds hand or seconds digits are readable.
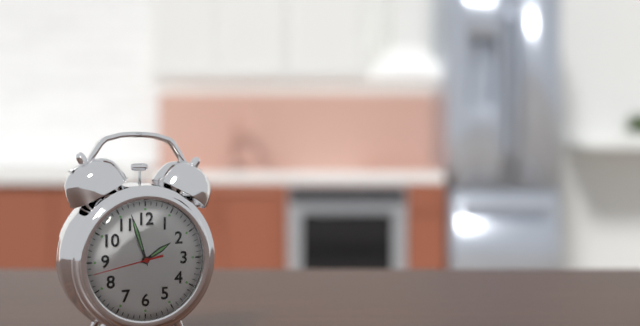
1:57:43
